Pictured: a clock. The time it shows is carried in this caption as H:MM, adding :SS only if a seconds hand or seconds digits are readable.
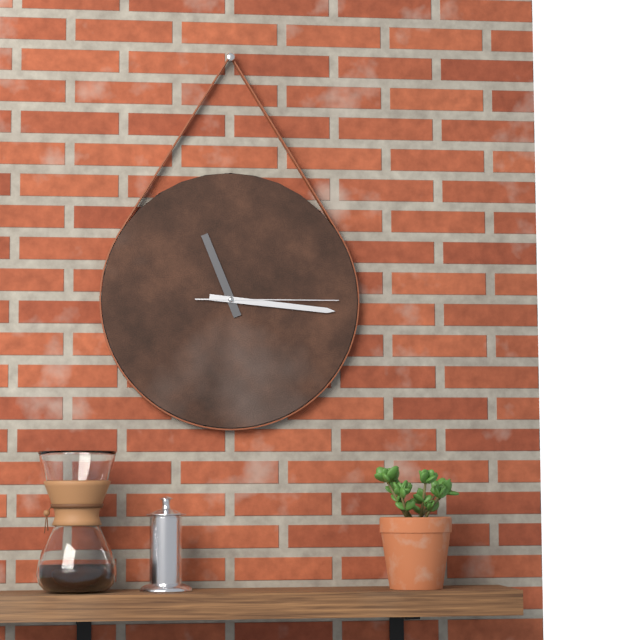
11:16:15
